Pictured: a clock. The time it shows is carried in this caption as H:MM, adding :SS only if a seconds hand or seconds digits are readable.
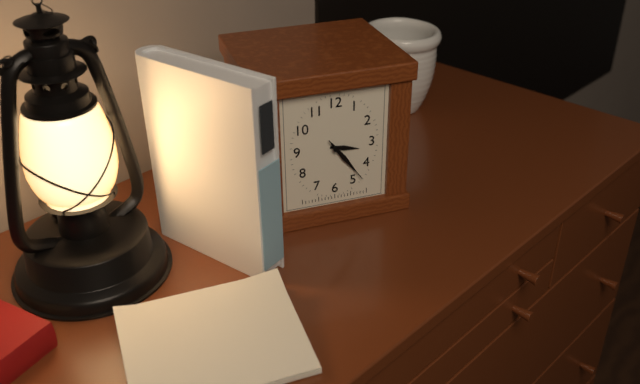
3:24
